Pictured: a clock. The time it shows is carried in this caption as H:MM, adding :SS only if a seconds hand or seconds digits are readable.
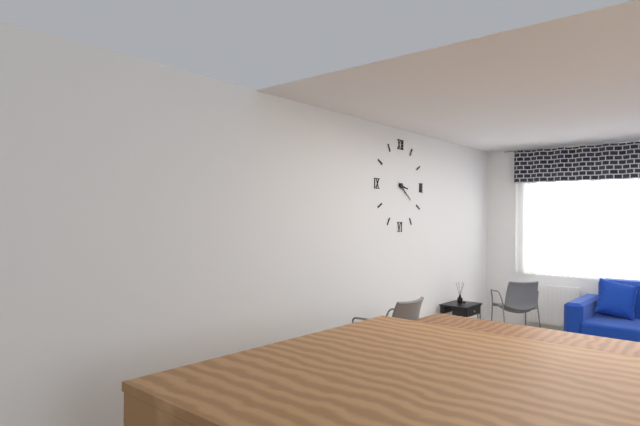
3:21
